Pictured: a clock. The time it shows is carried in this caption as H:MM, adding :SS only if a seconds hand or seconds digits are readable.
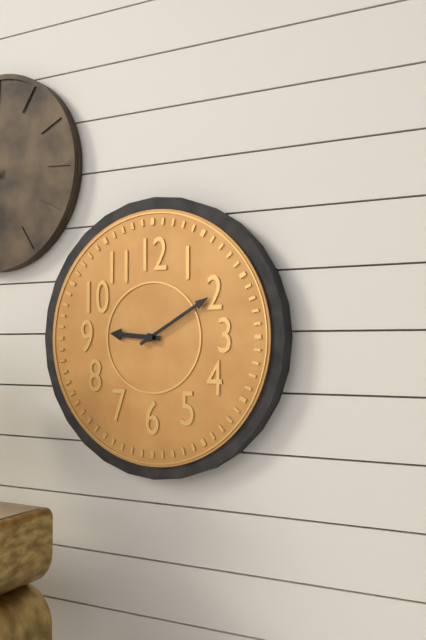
9:10
